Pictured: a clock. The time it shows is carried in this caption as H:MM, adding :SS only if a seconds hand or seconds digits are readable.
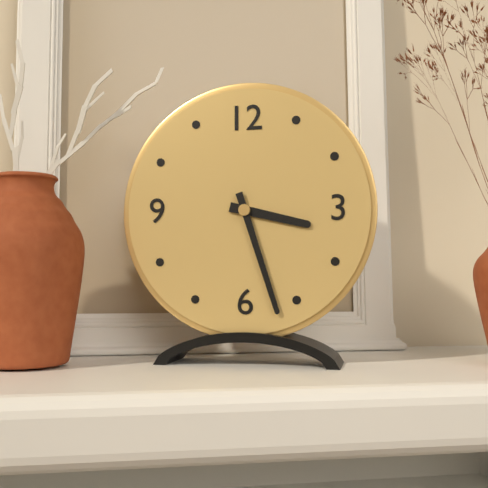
3:27
